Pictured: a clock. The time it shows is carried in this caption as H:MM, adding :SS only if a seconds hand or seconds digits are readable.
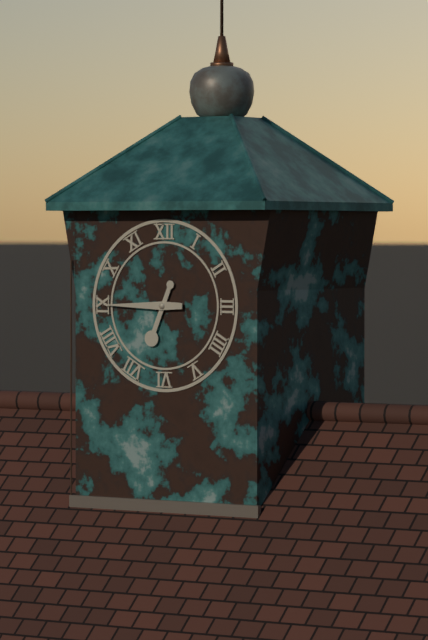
6:45
